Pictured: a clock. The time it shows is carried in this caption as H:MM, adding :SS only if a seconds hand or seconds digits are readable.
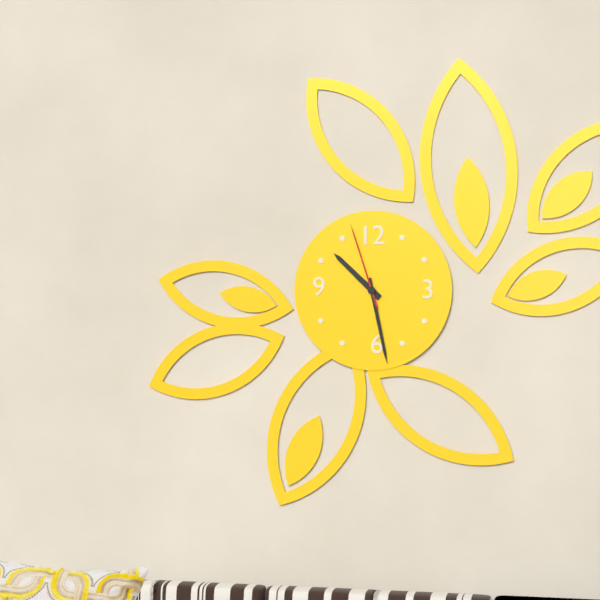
10:28:57
